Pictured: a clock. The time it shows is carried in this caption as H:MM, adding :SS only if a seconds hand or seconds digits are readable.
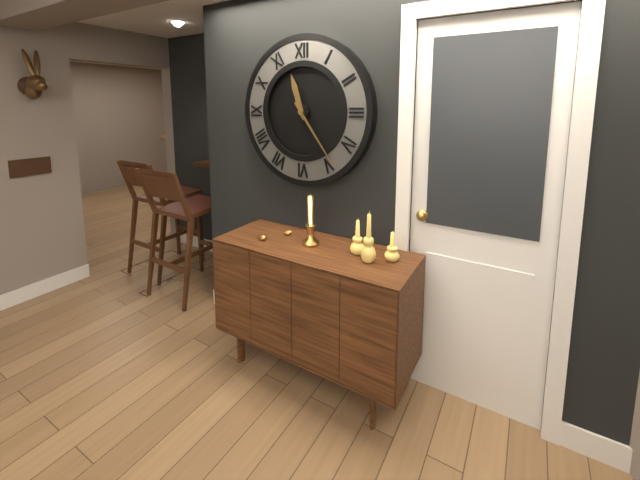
11:24
